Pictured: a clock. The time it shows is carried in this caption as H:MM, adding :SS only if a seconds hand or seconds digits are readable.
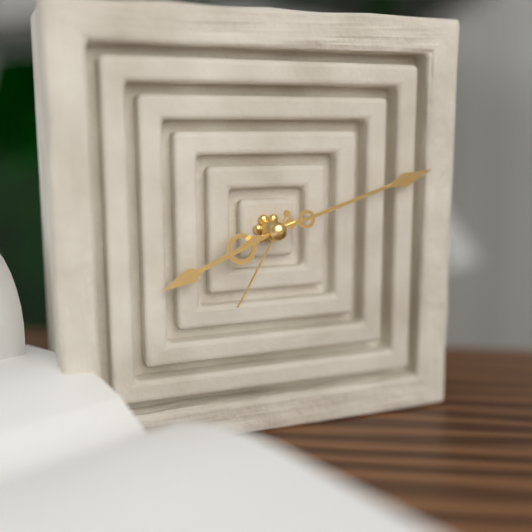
8:12:35
